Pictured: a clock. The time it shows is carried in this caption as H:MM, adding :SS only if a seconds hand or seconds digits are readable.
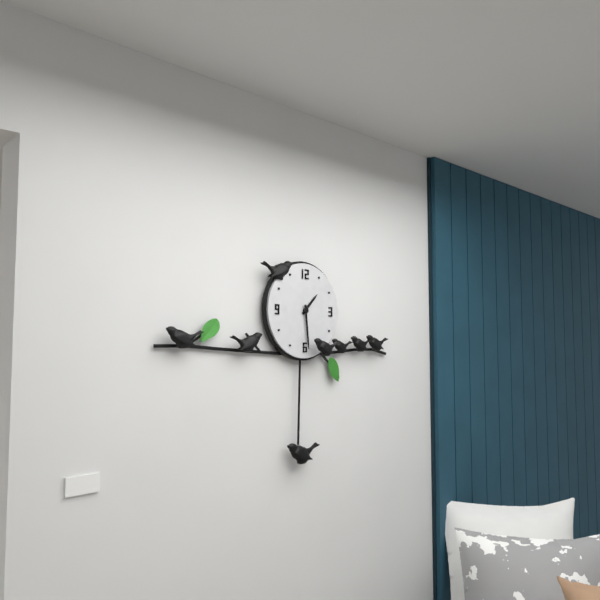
1:29
